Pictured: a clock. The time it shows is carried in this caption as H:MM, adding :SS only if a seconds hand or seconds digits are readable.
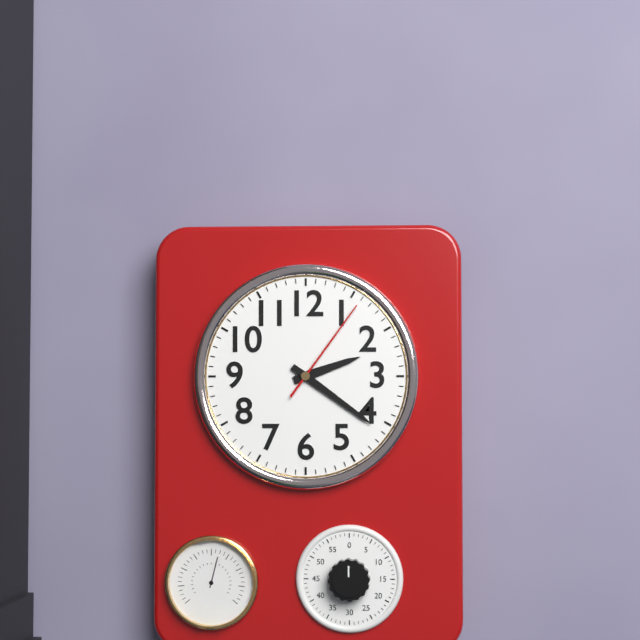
2:21:06
